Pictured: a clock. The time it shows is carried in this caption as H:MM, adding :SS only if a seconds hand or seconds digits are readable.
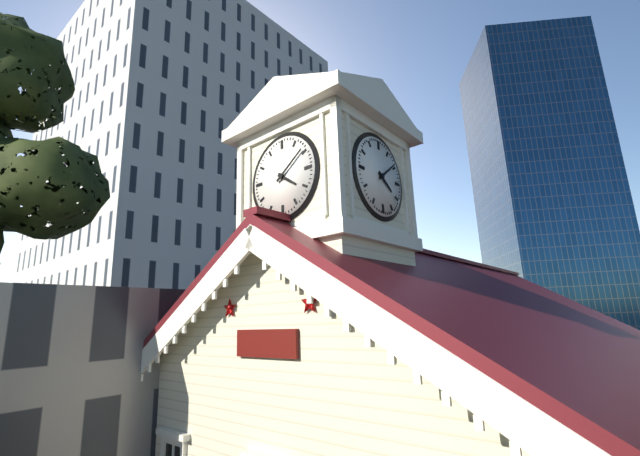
4:09
